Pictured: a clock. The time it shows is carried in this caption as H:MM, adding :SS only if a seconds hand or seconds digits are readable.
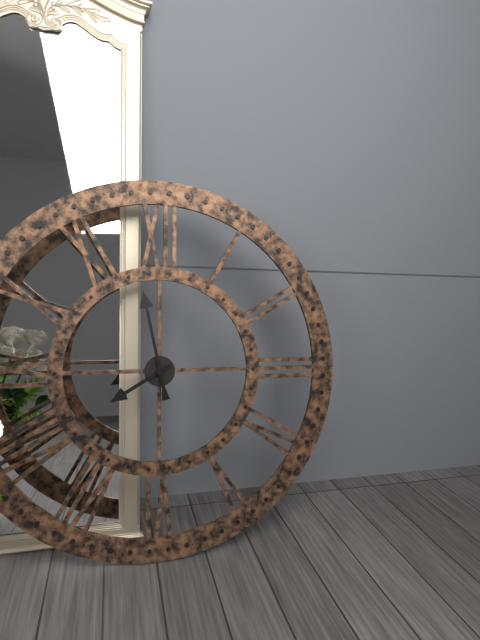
7:58
